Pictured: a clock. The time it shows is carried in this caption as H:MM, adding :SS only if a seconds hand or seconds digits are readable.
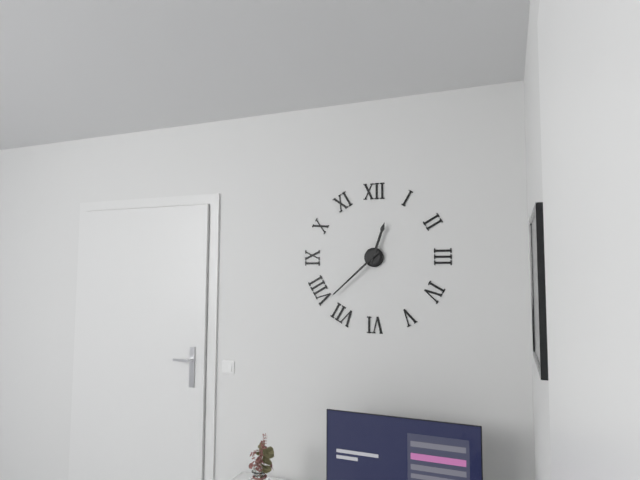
12:38
